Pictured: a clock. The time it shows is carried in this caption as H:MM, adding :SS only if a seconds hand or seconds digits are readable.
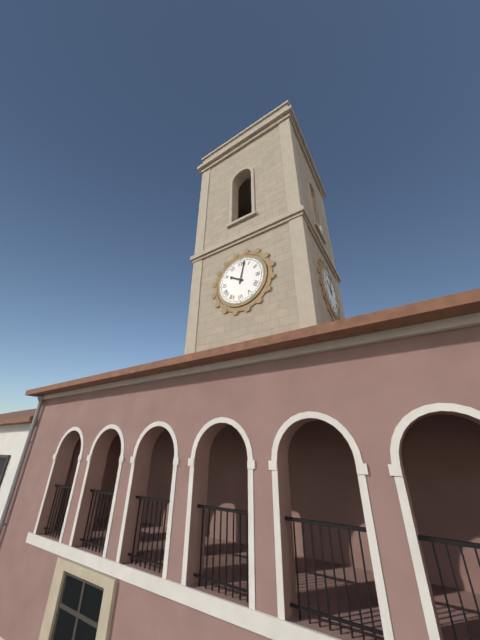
10:02
